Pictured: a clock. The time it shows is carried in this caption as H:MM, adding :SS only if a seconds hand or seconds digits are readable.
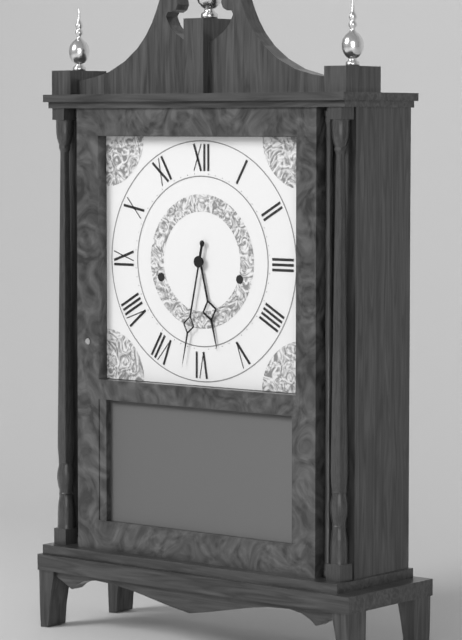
5:32
